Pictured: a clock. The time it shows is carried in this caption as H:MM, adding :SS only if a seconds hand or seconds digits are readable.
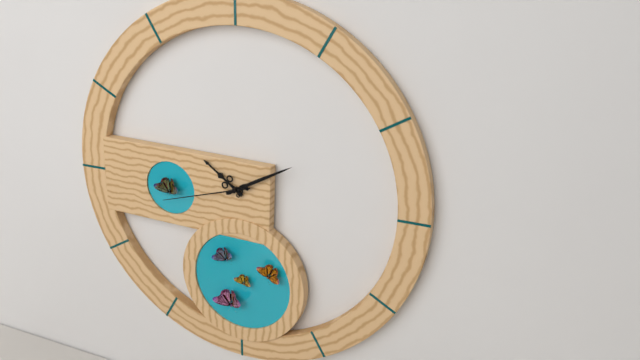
10:10:42
